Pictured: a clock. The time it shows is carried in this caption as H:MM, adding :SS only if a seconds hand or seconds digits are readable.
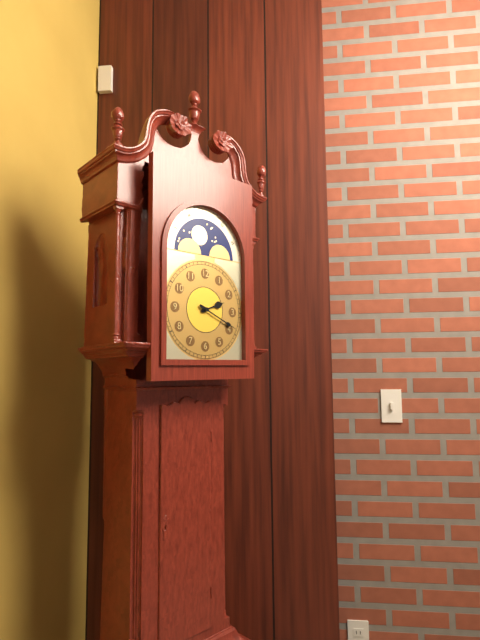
2:19
